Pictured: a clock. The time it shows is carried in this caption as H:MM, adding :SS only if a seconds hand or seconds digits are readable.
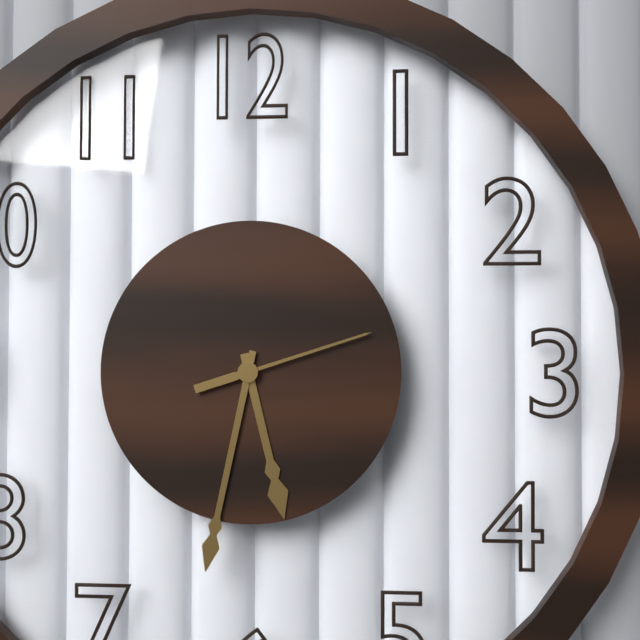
5:32:12
